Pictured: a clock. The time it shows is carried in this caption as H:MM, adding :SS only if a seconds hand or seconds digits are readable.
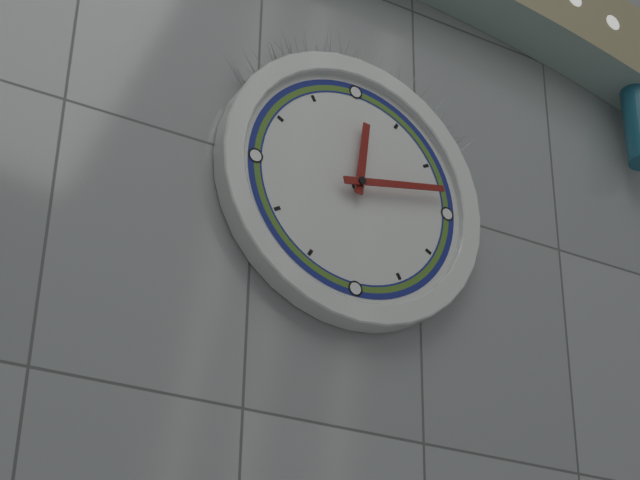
12:13
